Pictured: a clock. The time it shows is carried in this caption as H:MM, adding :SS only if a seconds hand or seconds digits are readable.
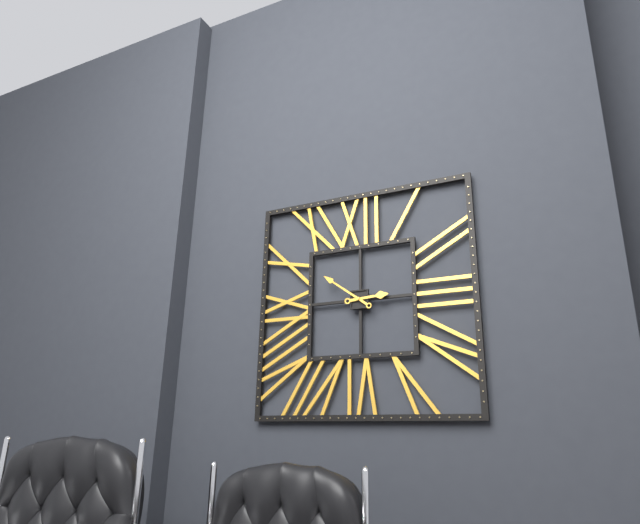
2:51
